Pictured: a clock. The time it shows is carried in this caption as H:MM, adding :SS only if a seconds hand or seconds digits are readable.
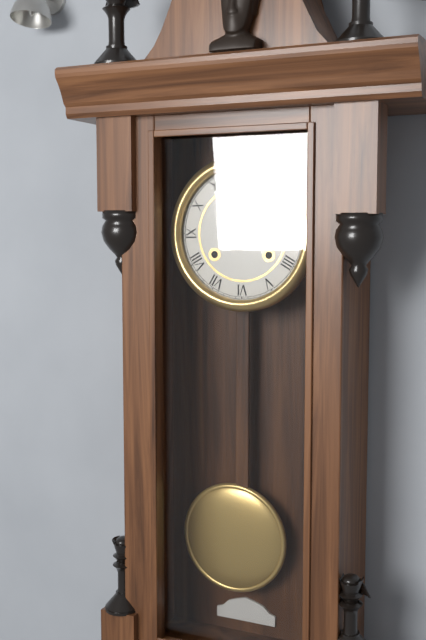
2:00
